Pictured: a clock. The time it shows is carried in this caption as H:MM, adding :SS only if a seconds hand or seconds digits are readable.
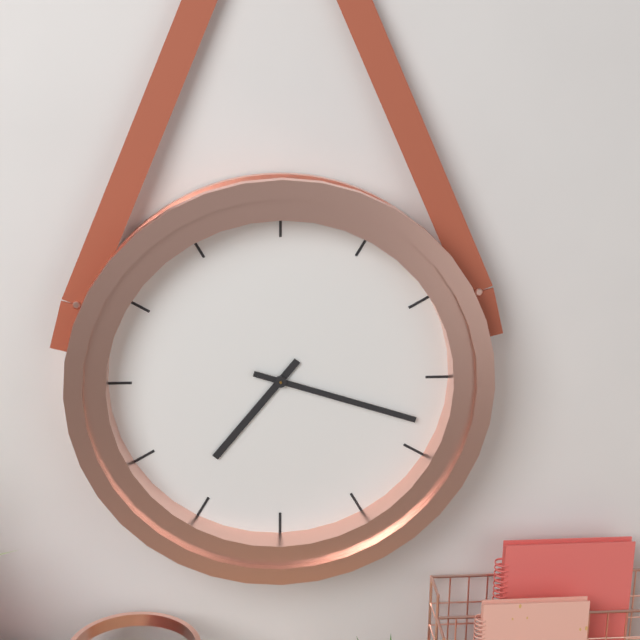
7:18
